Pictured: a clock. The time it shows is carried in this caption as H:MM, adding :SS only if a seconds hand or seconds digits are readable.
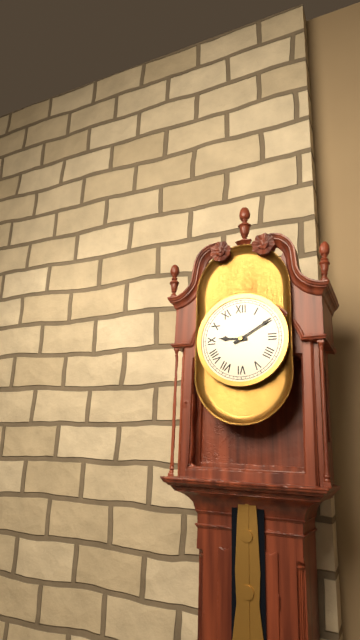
9:10
